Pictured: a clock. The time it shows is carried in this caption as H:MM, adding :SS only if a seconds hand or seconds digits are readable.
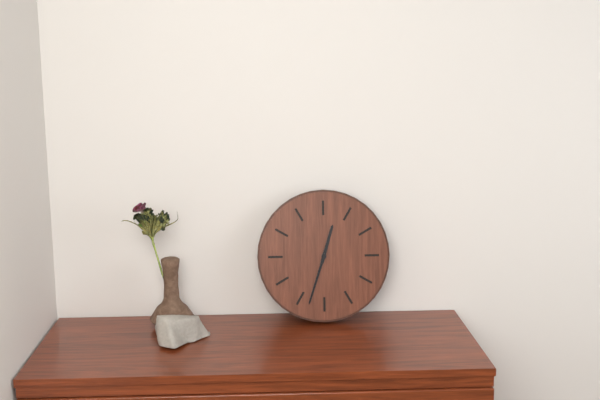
12:33
